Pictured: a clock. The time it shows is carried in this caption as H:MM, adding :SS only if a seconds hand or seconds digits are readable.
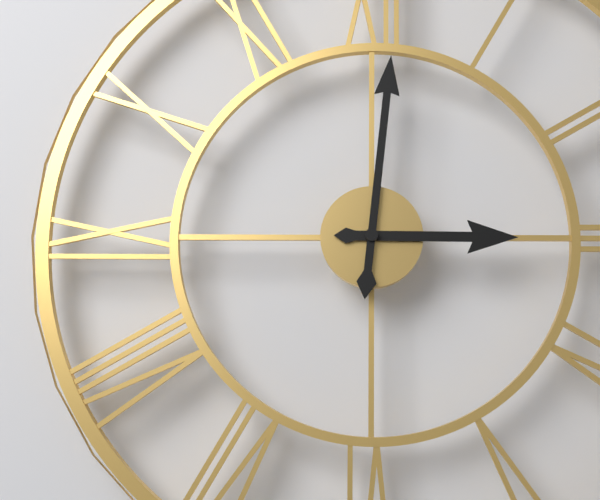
3:01
